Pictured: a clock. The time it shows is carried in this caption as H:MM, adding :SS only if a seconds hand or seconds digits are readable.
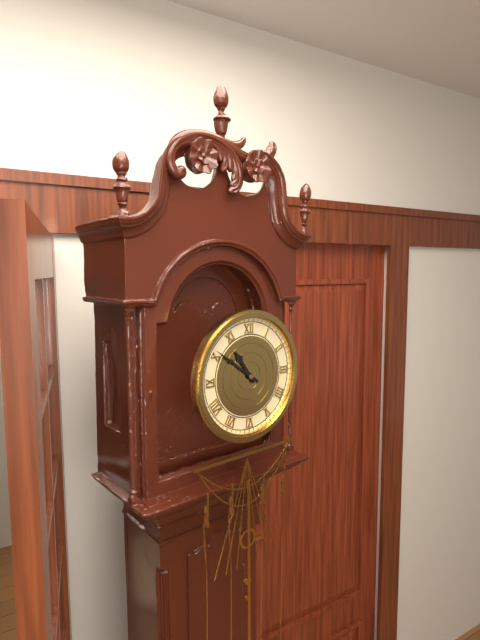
10:51
